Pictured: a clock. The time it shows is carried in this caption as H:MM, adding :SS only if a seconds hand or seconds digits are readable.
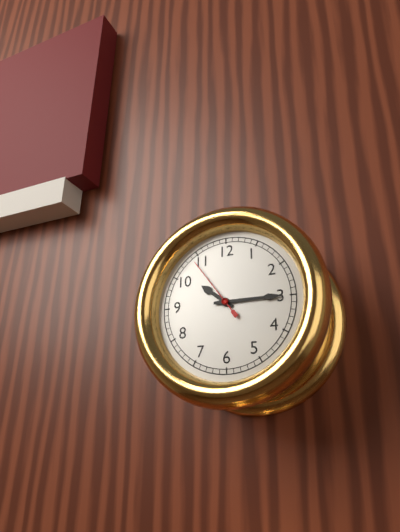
10:15:54
